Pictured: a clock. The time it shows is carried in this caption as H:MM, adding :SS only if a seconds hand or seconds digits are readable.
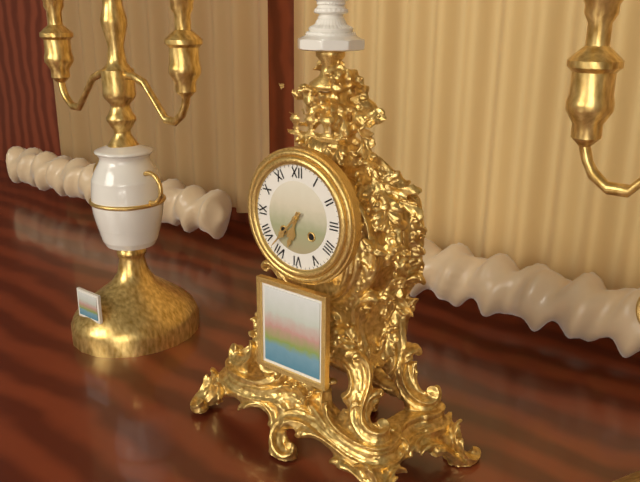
6:37
